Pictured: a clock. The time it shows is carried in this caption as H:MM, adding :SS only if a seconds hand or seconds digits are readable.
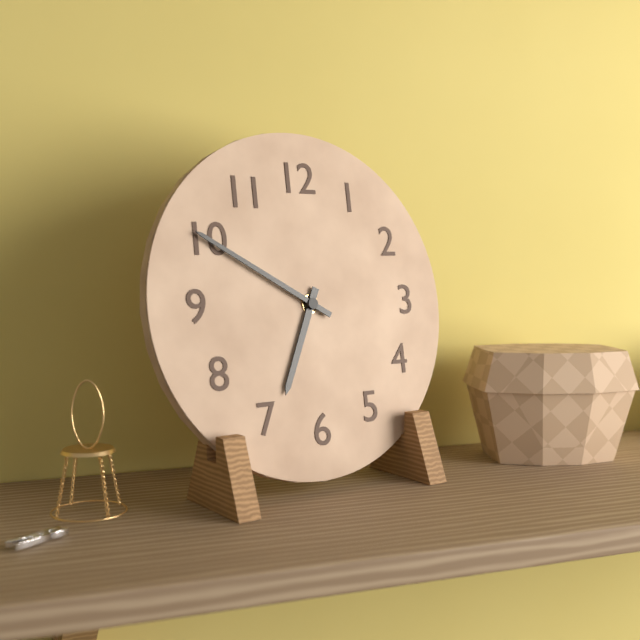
6:50
